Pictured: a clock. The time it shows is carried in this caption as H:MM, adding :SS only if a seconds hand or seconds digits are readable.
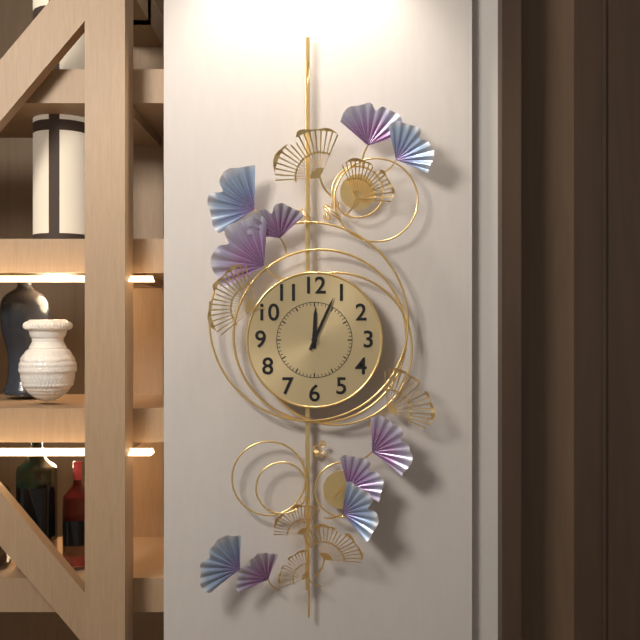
12:04
